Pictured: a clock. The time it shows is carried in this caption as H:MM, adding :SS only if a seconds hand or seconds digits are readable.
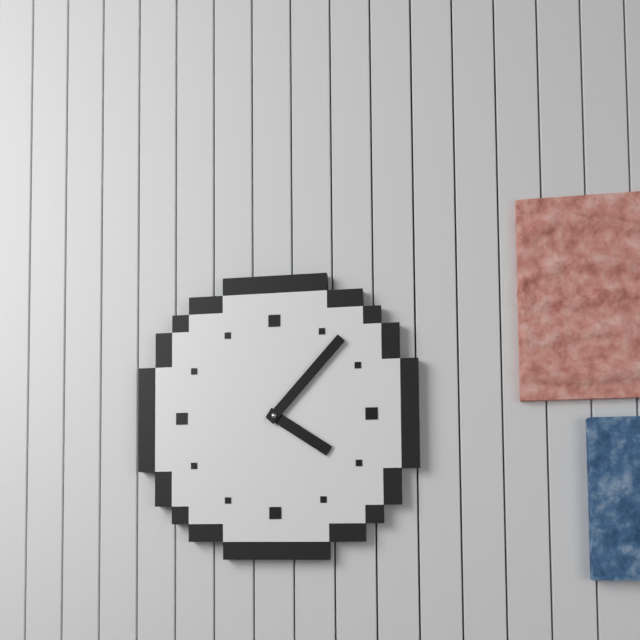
4:07
